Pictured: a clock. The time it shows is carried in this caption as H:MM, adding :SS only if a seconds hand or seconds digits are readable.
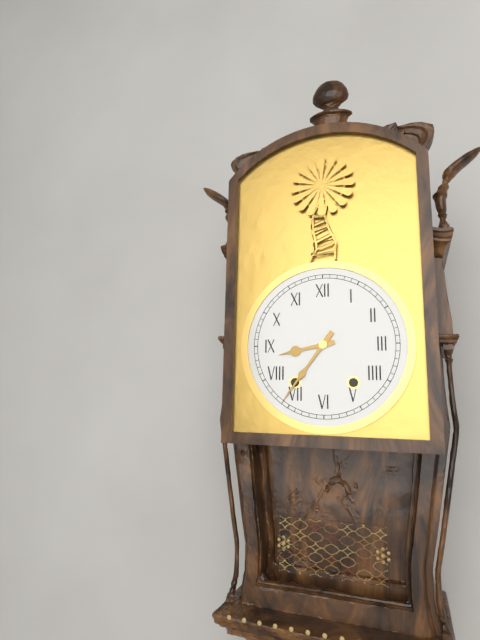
8:36
